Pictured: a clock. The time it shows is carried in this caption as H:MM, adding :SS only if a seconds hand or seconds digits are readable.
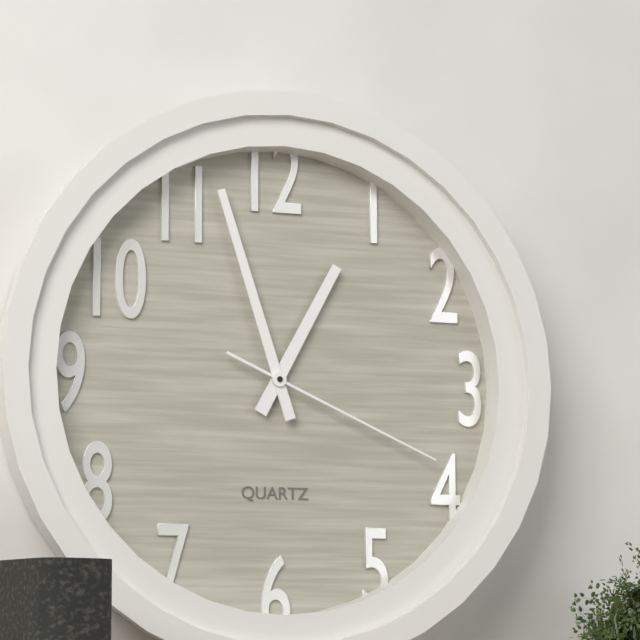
12:57:19
